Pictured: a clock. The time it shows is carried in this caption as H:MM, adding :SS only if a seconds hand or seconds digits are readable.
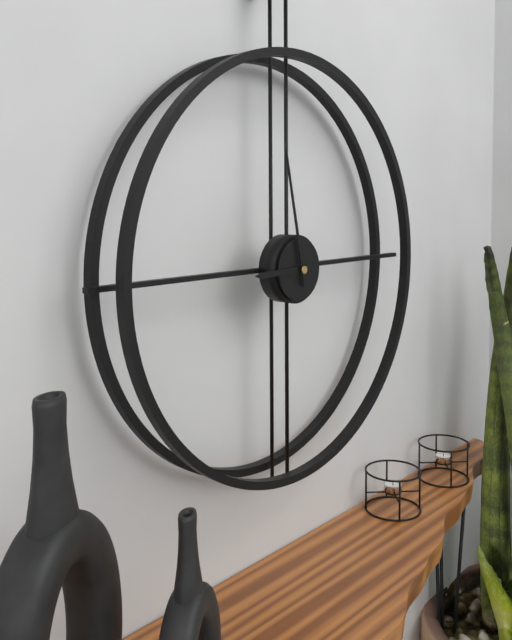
8:58
